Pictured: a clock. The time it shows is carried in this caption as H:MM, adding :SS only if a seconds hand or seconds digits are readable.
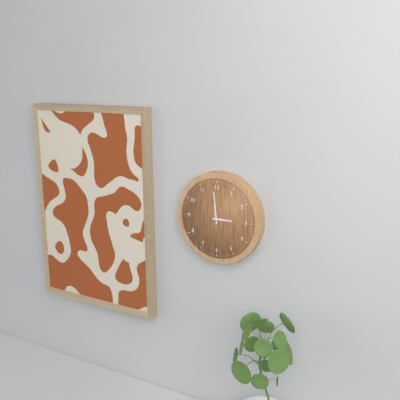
2:59
